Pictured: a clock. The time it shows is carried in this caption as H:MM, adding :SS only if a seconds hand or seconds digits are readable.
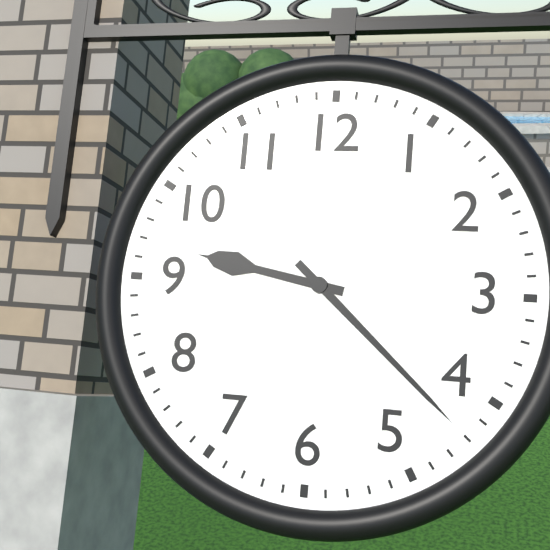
9:22
